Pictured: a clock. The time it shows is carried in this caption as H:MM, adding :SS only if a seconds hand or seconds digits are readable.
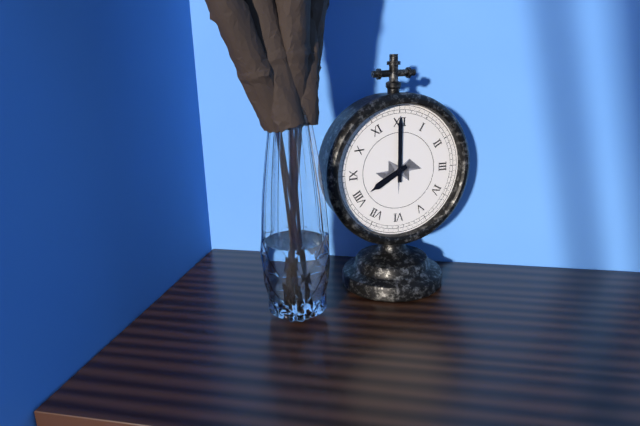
8:00
